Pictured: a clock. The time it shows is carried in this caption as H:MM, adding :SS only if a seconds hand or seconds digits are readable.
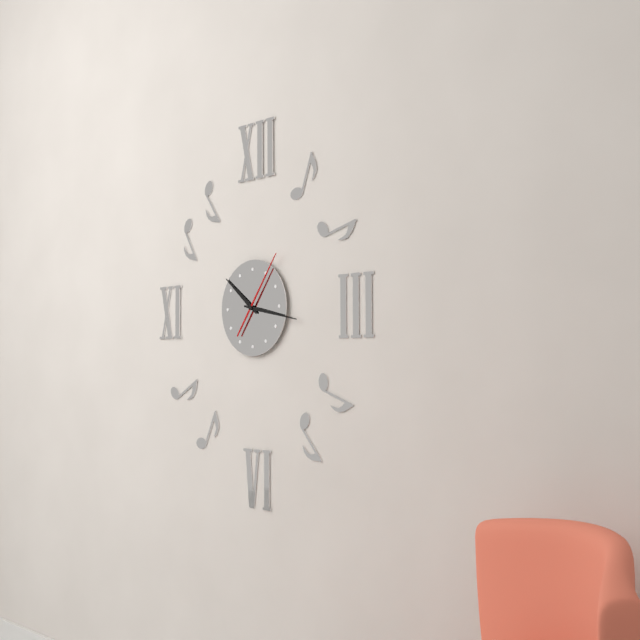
10:17:06
